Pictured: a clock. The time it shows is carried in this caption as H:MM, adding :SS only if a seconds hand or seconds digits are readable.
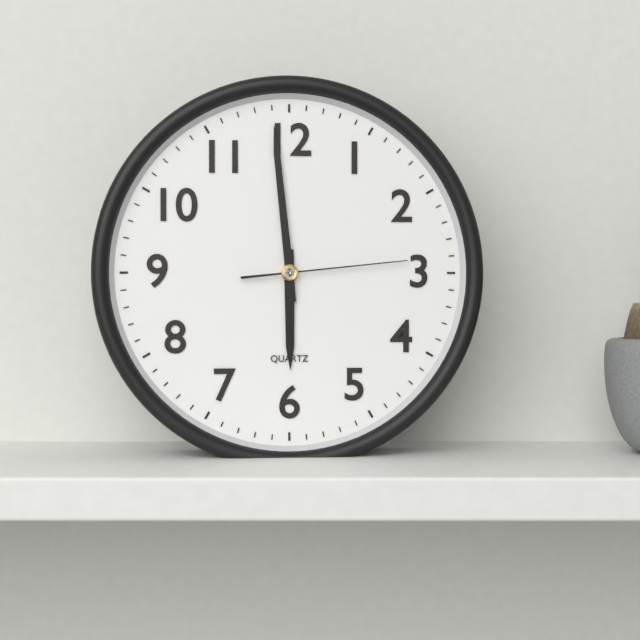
5:59:14
